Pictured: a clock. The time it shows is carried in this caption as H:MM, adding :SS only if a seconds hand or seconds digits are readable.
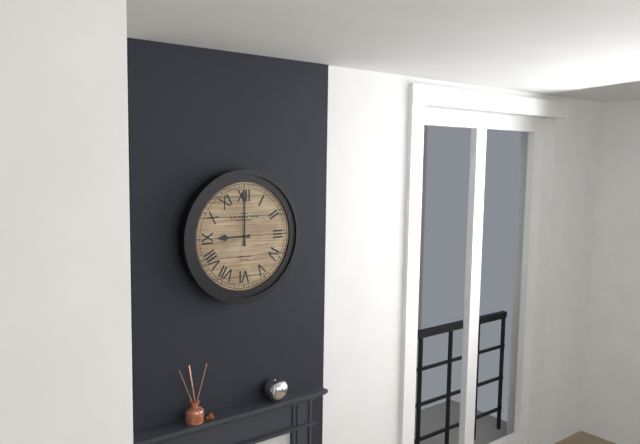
9:00
